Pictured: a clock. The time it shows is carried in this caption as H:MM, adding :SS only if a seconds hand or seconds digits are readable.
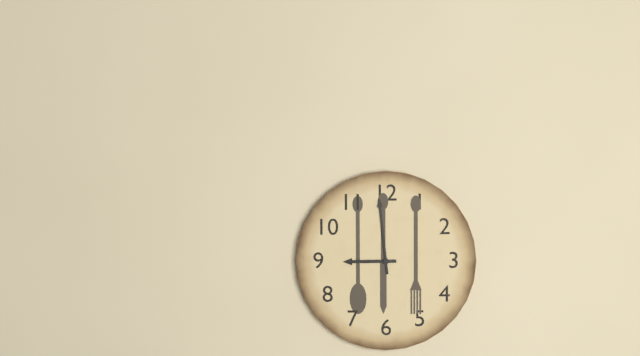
8:59
